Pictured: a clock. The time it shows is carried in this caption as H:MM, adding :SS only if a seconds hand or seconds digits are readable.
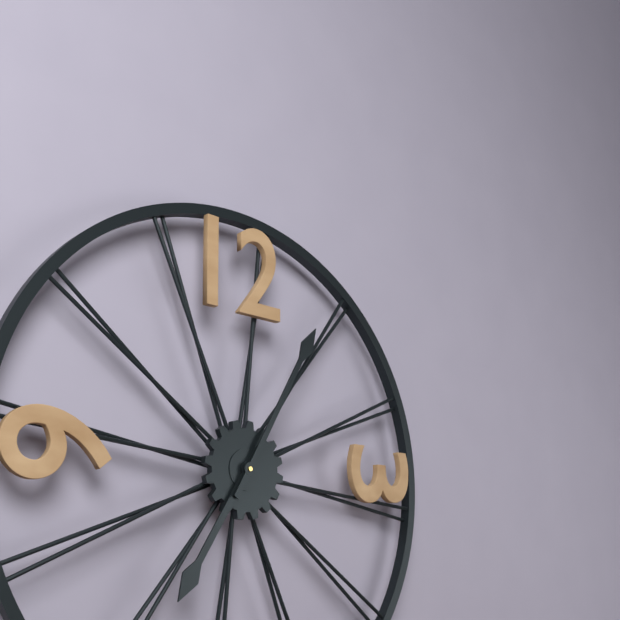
7:05
